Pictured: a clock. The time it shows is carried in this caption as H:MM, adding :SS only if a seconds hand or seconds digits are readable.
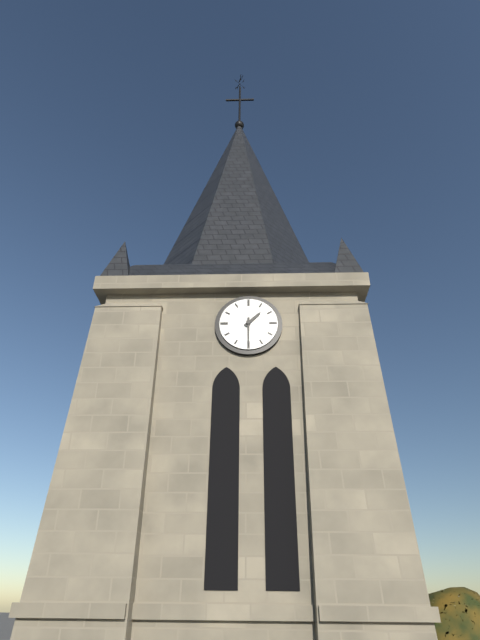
1:30
